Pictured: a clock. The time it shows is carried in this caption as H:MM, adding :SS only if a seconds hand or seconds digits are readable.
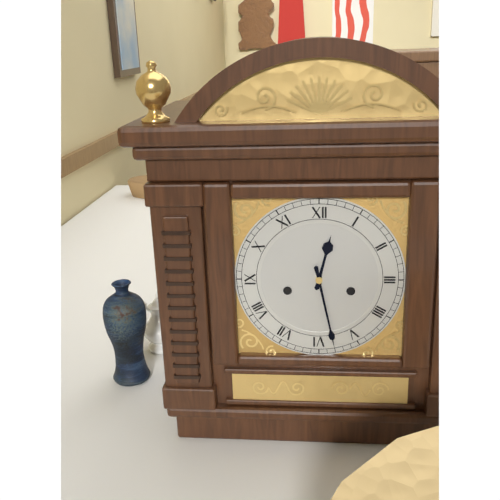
12:28
